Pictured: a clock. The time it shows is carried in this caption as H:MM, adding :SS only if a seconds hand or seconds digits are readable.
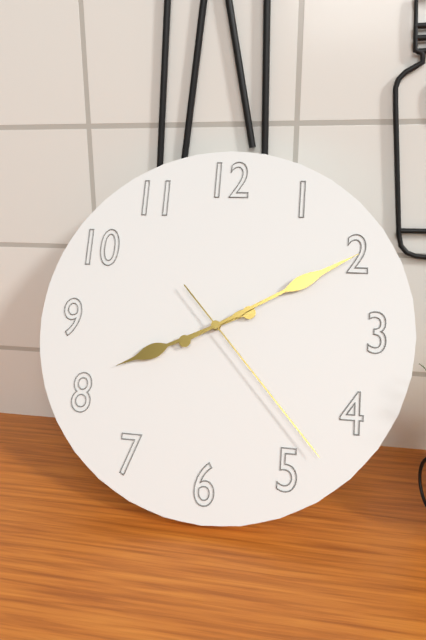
8:10:23
